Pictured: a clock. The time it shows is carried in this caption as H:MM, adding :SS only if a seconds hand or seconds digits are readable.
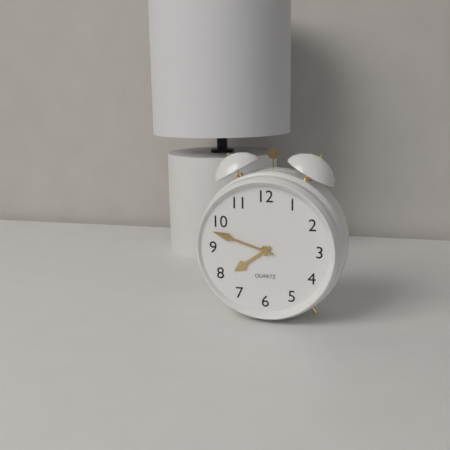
7:48
